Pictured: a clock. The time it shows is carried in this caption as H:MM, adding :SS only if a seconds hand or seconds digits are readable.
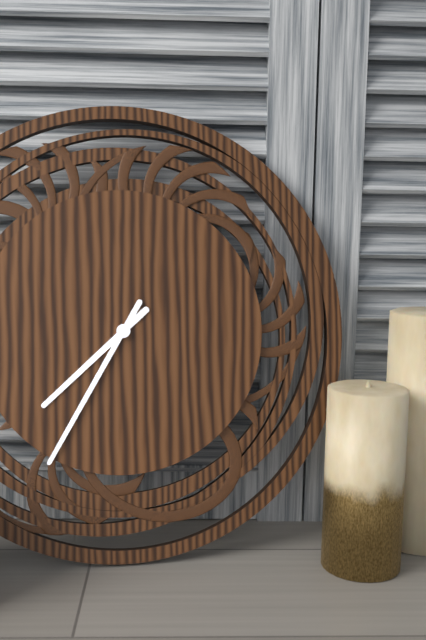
7:35
